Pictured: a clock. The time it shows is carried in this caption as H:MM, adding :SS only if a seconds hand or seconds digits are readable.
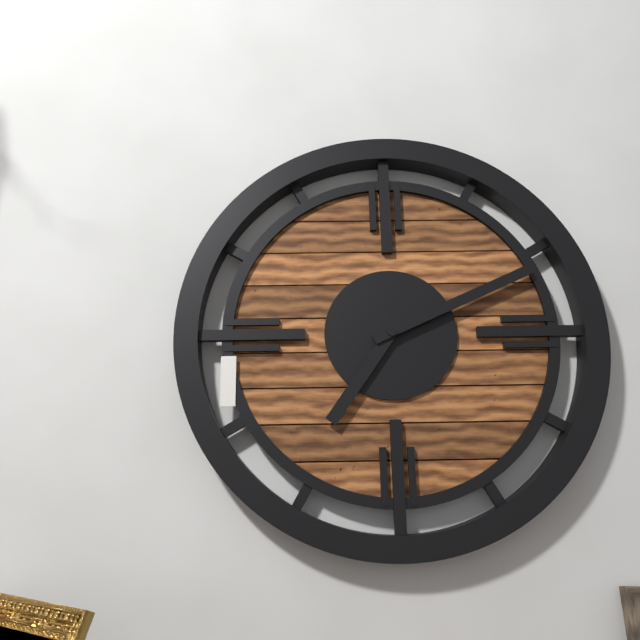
7:11
